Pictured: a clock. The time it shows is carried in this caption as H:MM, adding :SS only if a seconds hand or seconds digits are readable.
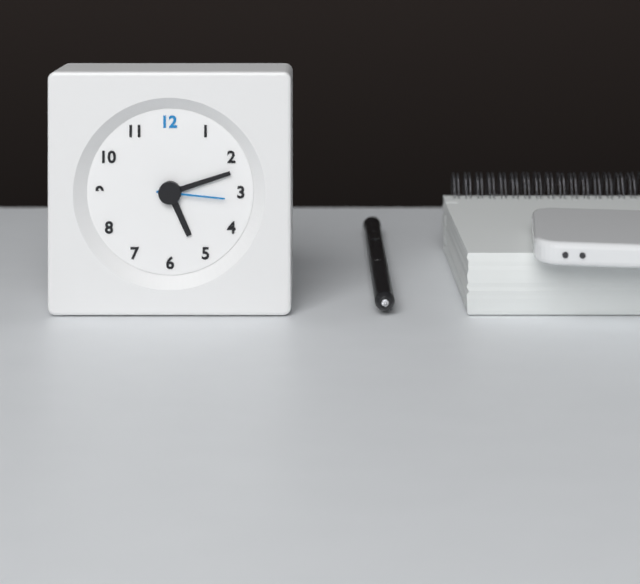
5:12:16
